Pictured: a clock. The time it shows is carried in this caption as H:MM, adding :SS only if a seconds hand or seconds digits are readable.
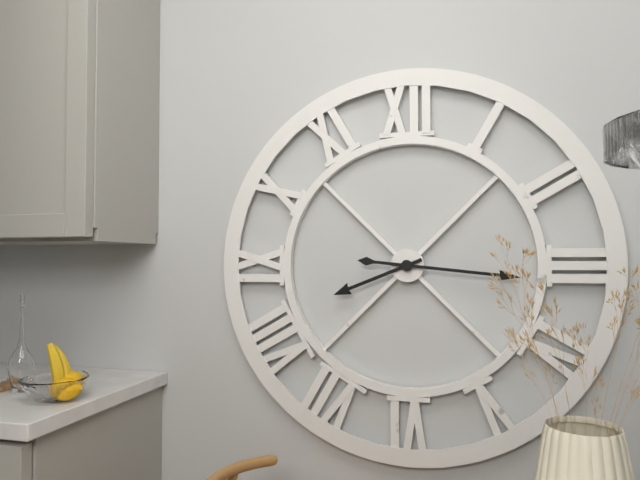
8:16
